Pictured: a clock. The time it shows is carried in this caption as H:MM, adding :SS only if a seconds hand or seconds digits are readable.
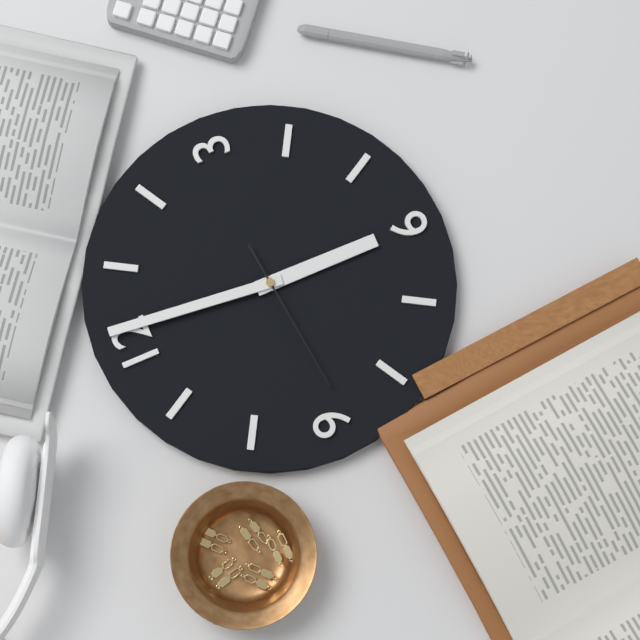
6:01:44
